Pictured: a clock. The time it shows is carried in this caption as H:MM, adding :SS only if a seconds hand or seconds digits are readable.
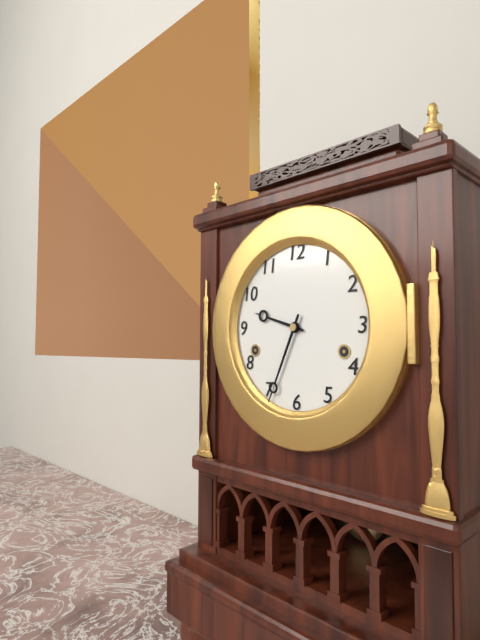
9:34
